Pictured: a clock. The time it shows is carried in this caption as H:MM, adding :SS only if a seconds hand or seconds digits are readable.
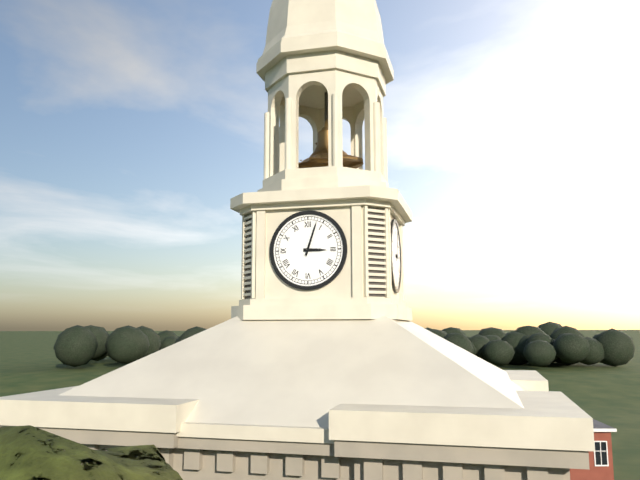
3:03
